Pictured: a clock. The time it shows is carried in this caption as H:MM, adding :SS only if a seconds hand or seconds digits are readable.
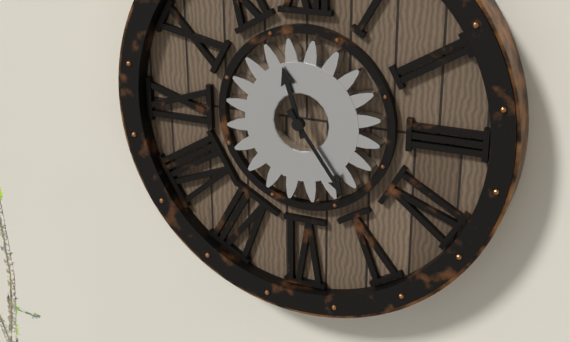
11:24
